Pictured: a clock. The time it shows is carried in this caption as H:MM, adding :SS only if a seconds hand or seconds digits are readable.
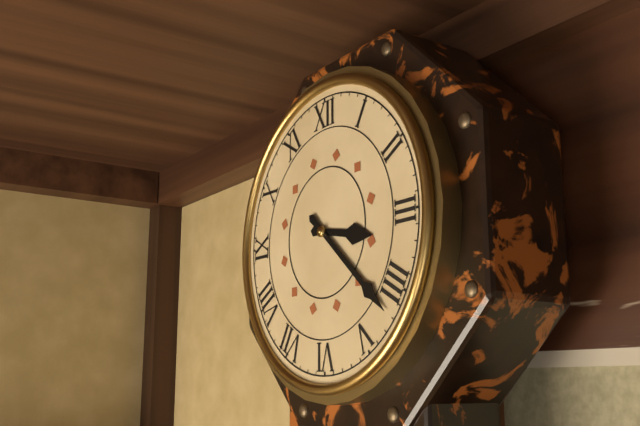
3:22
